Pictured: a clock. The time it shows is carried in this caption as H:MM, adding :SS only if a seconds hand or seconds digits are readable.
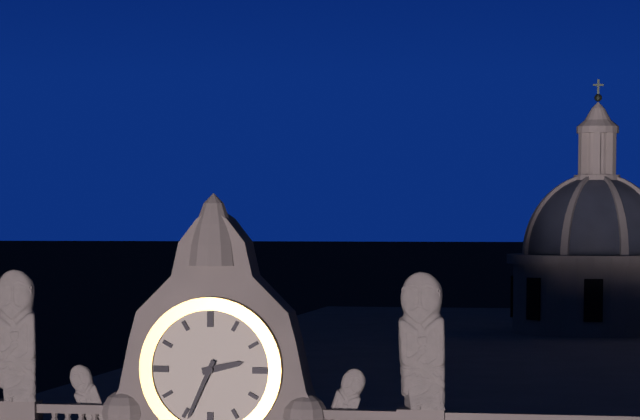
2:34
